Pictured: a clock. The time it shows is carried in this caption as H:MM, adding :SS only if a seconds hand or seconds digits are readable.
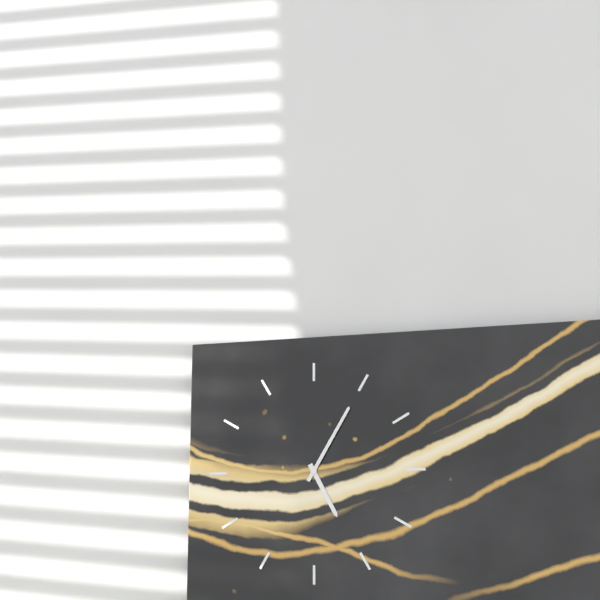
5:05
